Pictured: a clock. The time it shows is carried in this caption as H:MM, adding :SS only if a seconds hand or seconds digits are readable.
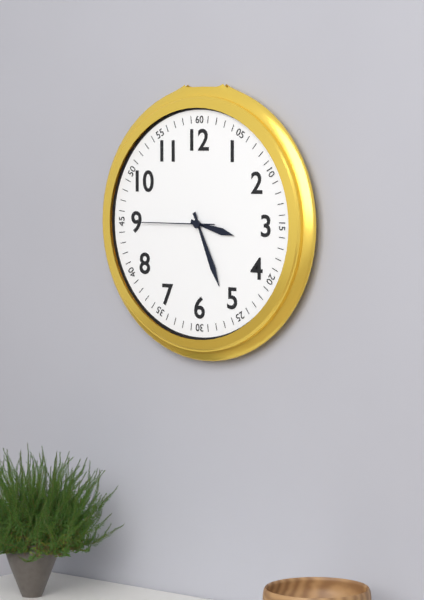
3:26:45
